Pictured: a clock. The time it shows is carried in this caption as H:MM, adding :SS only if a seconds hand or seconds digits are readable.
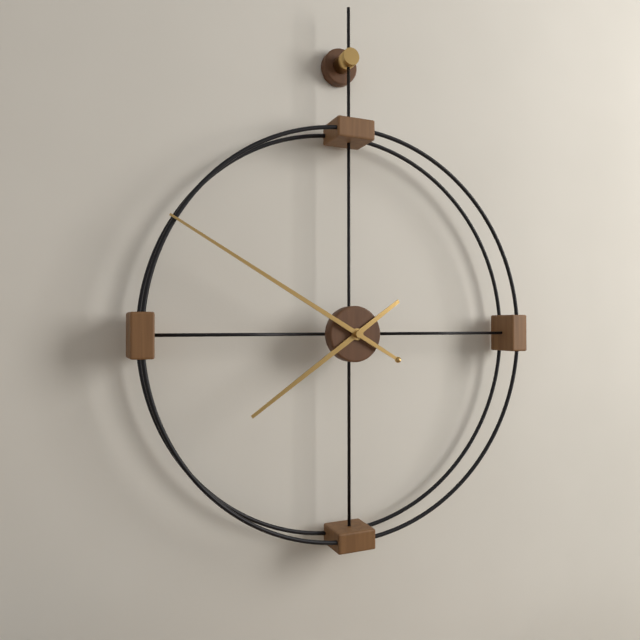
7:50
